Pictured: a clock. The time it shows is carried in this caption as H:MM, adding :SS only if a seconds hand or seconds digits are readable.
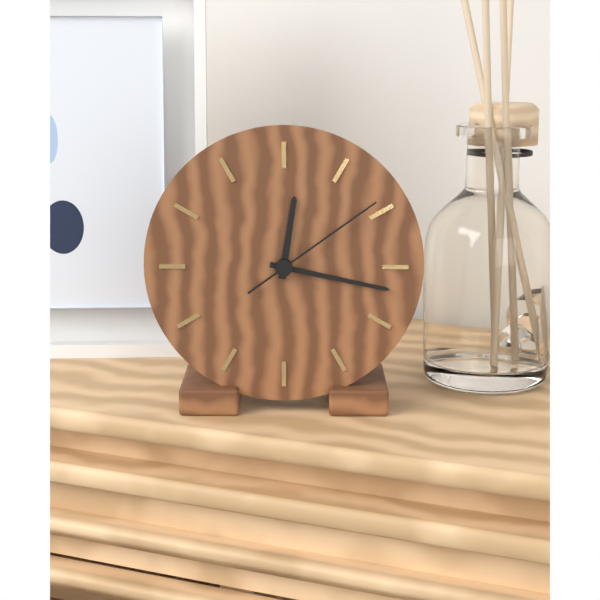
12:17:09
